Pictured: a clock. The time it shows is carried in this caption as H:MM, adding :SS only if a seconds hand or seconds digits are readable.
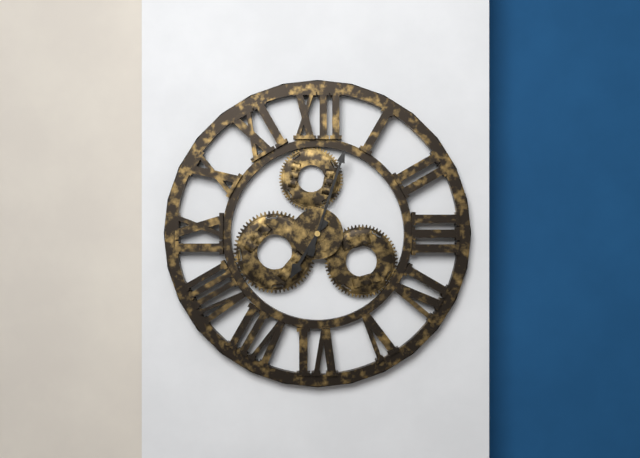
7:03
